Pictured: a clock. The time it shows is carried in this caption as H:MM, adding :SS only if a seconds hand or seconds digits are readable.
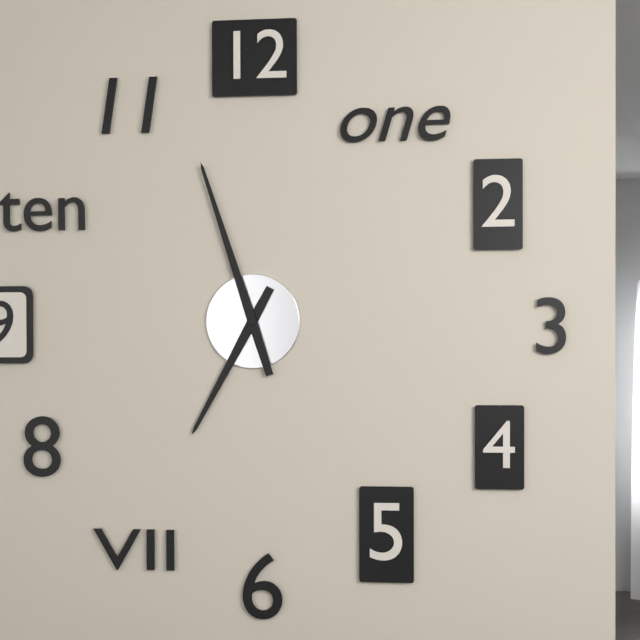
6:57
